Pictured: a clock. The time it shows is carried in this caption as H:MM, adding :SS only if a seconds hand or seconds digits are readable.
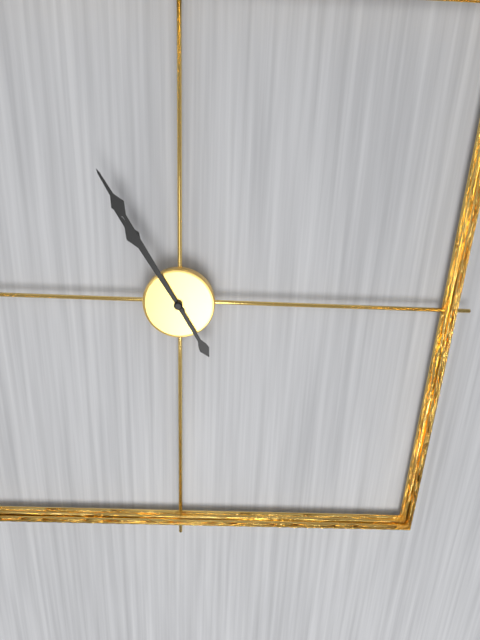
10:55
